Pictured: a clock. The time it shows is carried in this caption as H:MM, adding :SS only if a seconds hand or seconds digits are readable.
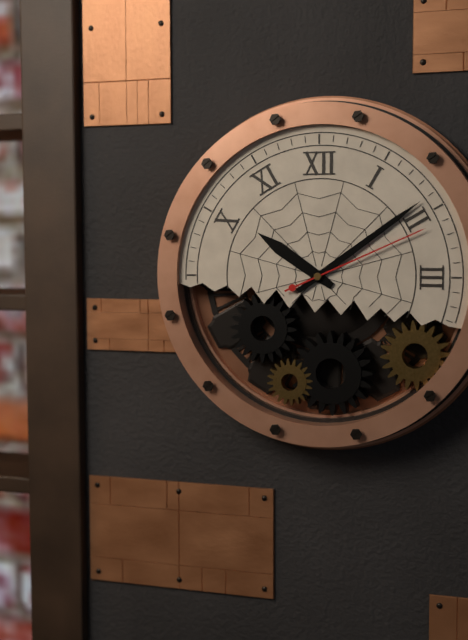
10:09:11
